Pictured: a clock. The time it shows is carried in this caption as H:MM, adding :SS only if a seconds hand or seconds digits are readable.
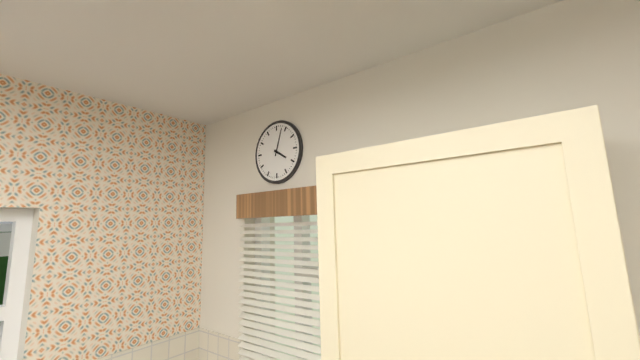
4:03
